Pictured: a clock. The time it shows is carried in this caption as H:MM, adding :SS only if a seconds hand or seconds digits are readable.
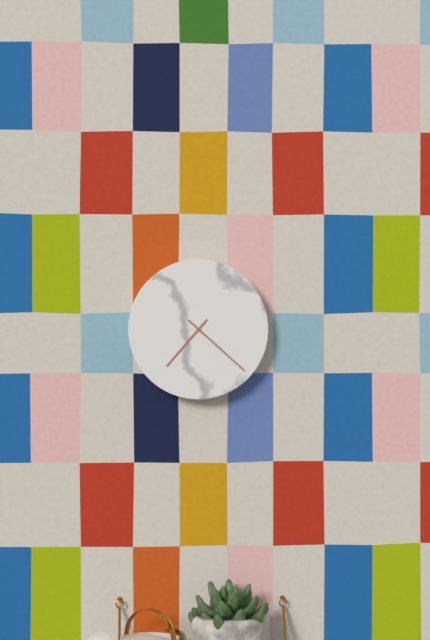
7:22
